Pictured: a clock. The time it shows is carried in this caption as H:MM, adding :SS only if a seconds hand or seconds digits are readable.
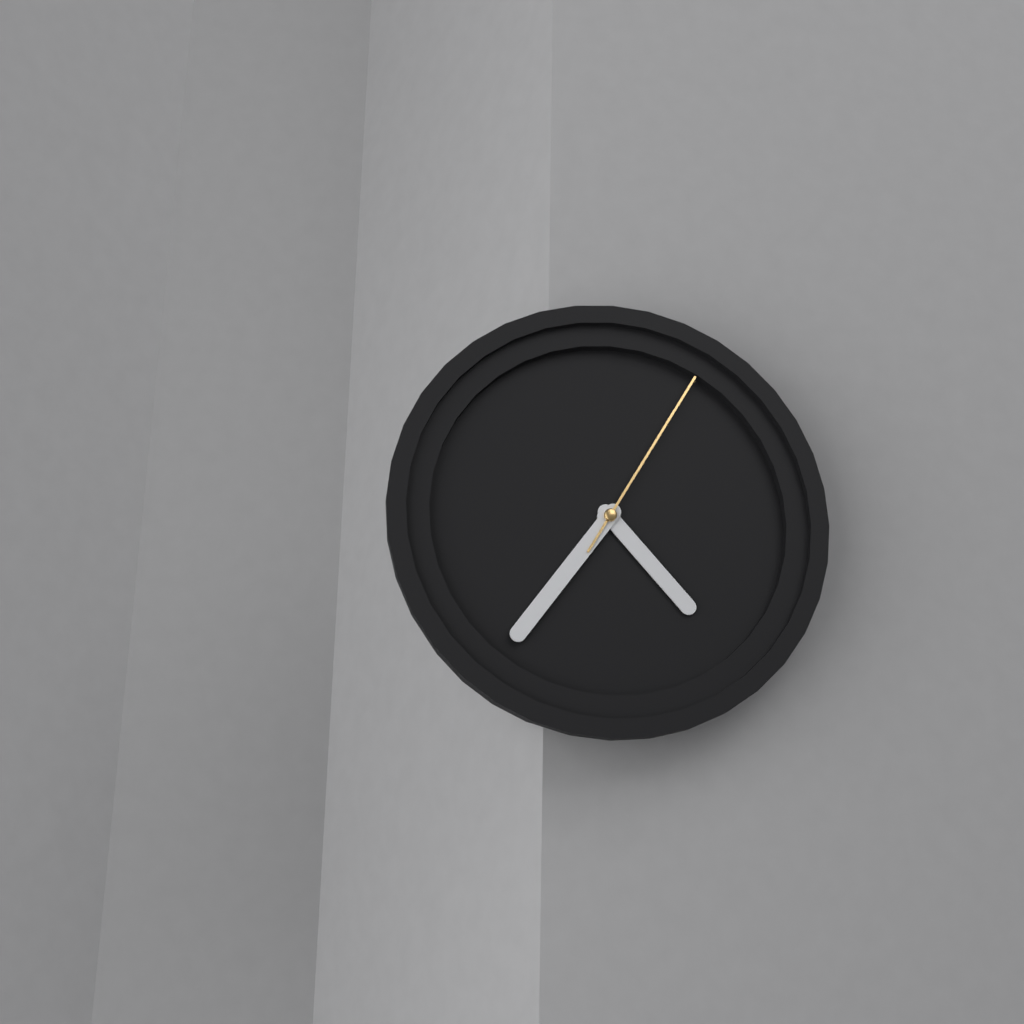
4:36:05
